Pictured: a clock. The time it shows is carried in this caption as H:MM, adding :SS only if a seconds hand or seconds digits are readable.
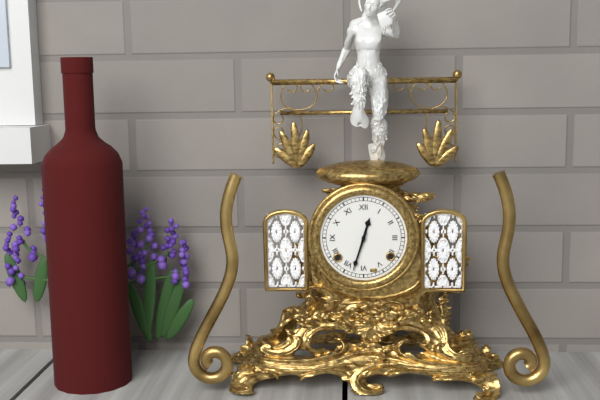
12:33
